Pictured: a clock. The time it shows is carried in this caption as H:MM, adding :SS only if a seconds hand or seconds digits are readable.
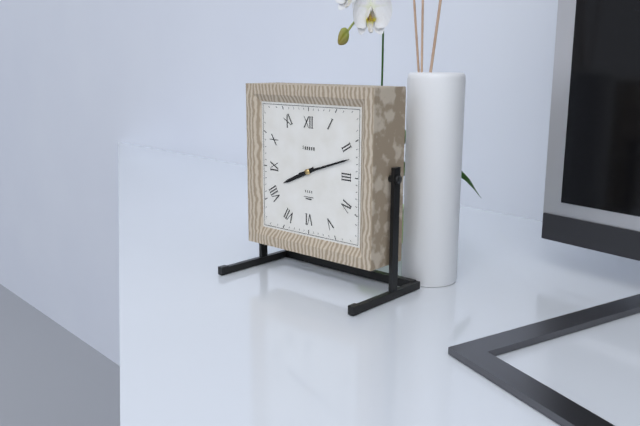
8:12
